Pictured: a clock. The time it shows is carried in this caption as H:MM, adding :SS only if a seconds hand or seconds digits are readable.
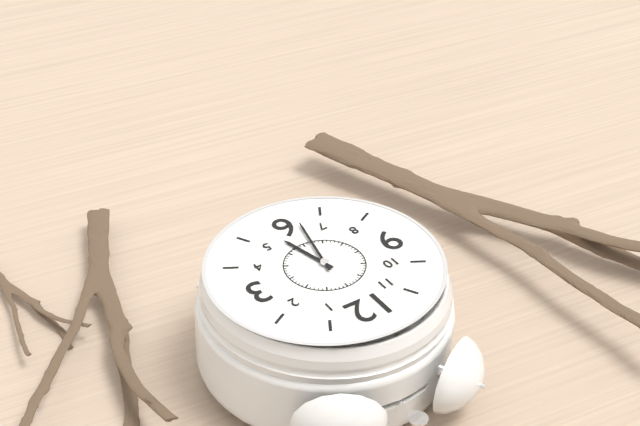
5:32
